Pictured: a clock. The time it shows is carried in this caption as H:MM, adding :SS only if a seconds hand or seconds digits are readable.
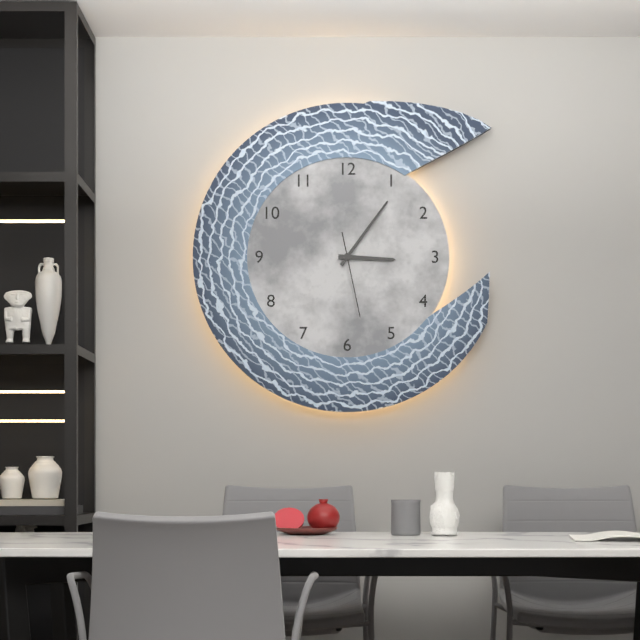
3:06:28
